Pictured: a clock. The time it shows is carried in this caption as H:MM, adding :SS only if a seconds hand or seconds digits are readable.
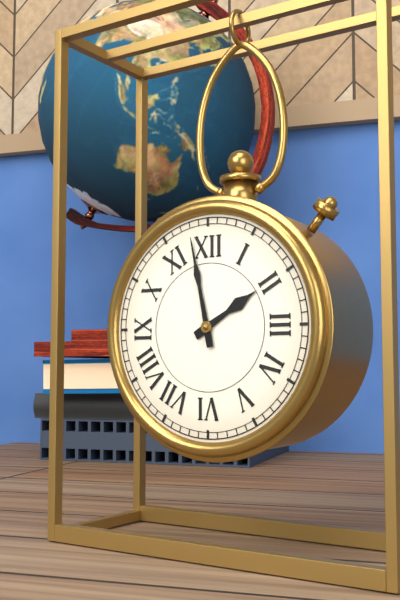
1:58
